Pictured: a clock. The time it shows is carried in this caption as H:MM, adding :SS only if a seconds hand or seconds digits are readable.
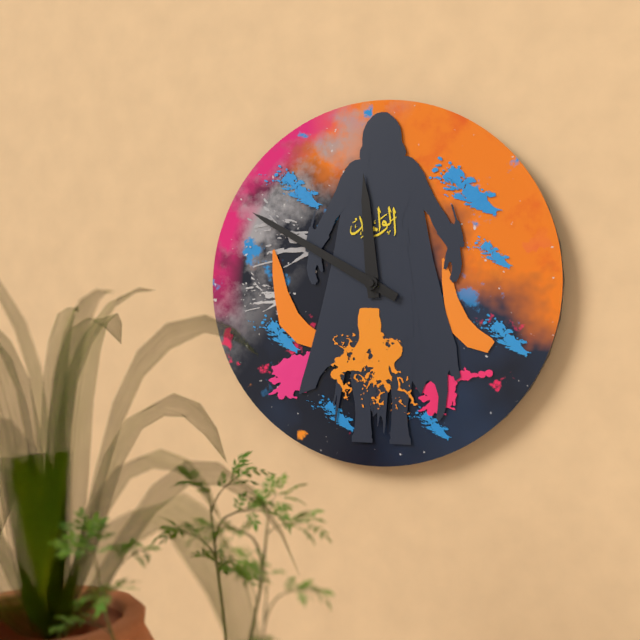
11:50
